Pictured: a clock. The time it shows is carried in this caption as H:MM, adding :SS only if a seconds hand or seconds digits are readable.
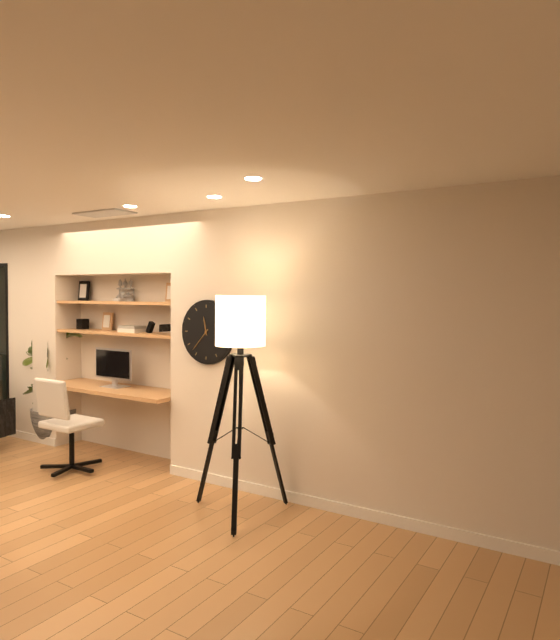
11:37
